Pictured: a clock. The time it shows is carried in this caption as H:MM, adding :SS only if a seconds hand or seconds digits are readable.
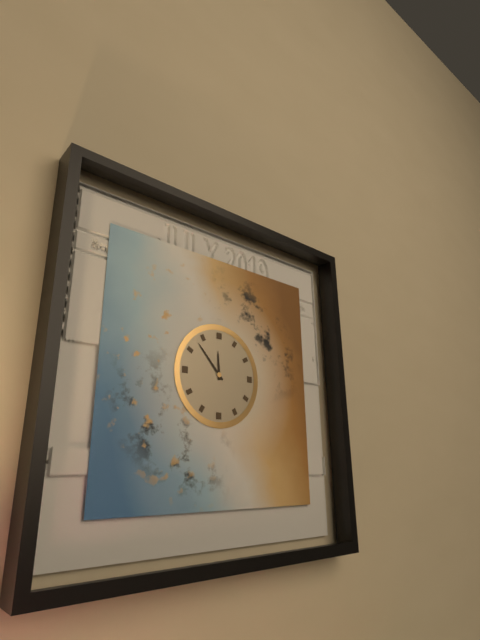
11:53
